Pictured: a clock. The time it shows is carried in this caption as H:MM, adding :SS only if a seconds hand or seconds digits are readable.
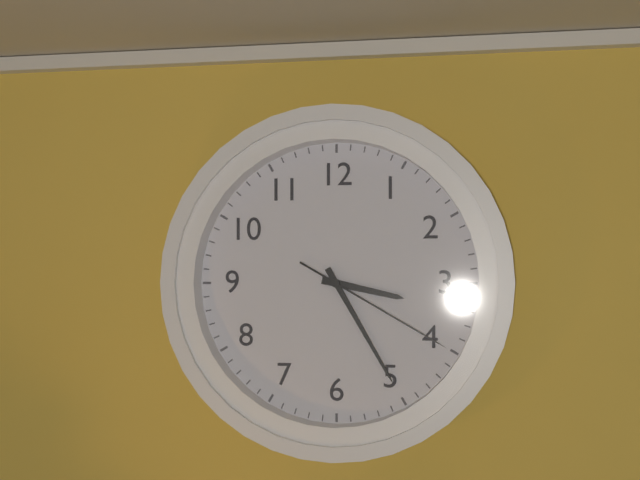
3:25:20
